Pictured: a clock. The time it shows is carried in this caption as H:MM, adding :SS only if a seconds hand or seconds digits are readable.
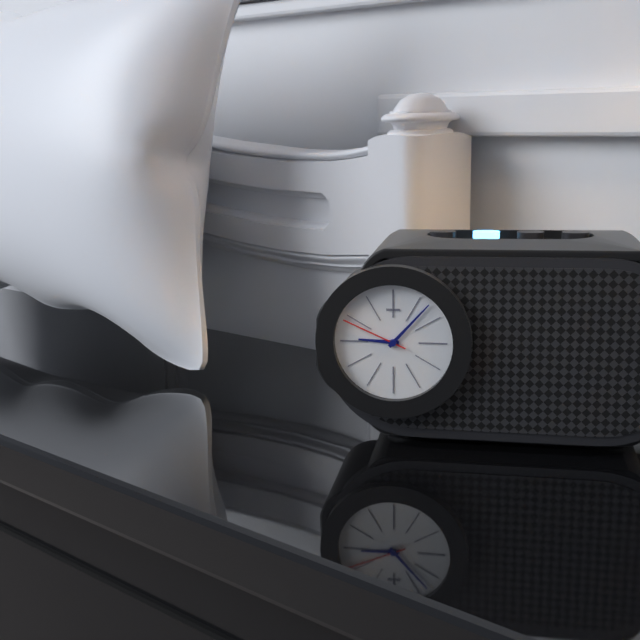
9:07:49
